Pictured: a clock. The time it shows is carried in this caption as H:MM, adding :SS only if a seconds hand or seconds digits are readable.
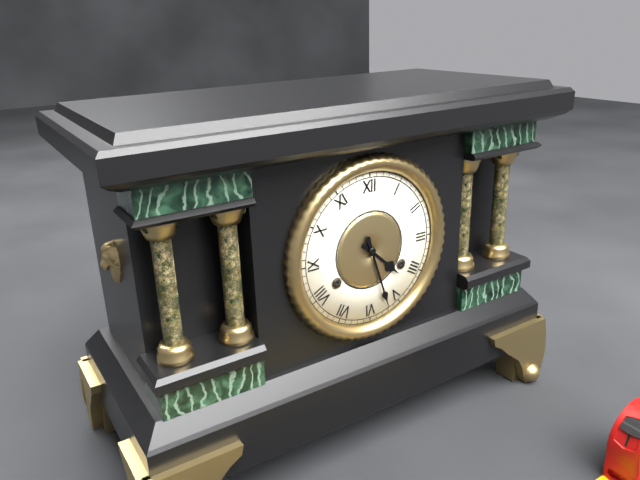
4:27
